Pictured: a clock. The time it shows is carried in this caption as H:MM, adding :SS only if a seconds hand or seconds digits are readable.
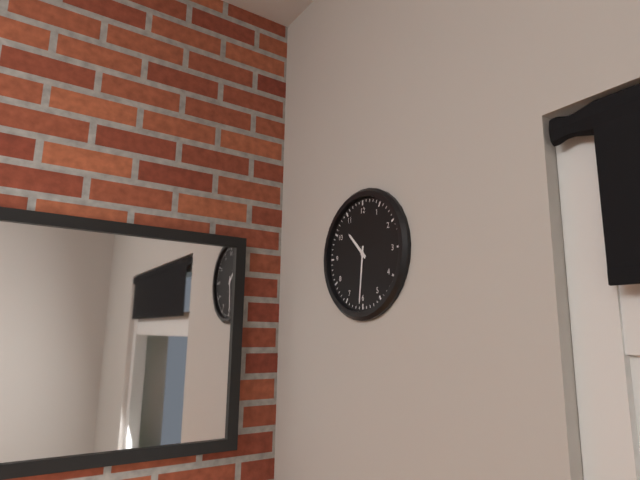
10:31
